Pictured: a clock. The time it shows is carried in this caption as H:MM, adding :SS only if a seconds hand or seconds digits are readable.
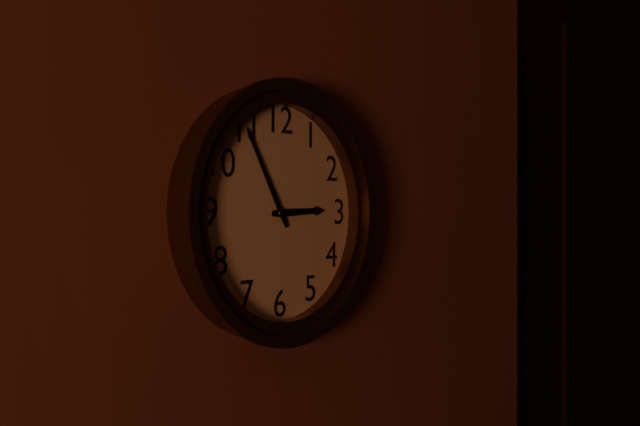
2:55
